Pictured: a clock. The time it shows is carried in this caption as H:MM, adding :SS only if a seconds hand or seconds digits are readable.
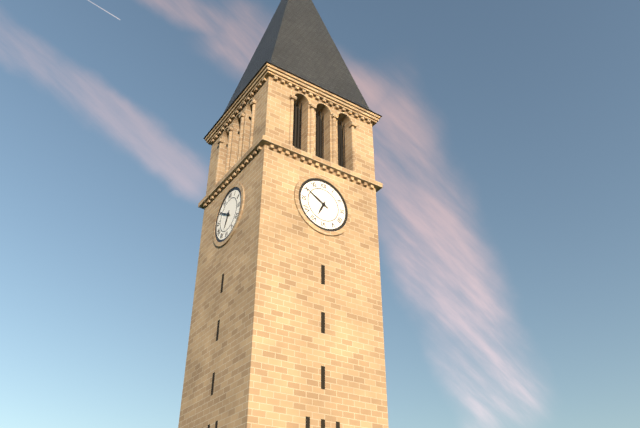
6:50
